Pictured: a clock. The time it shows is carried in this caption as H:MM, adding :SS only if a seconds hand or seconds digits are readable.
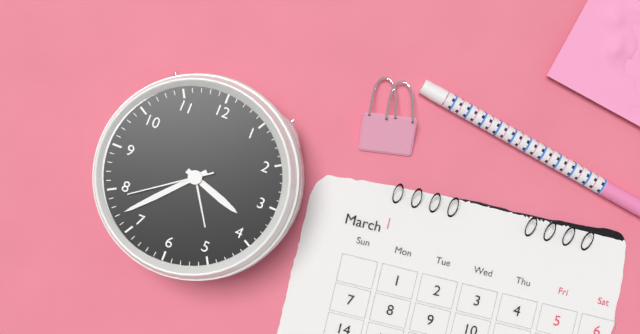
3:37:39
